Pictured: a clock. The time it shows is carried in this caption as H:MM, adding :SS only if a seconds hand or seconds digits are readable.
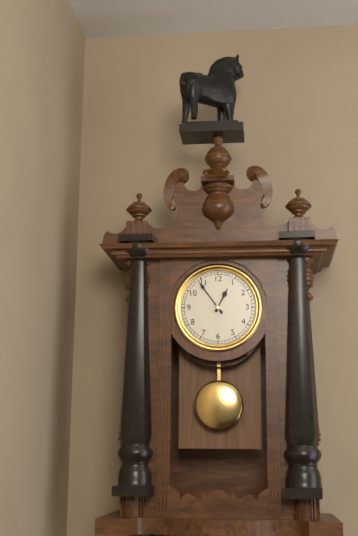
12:54
